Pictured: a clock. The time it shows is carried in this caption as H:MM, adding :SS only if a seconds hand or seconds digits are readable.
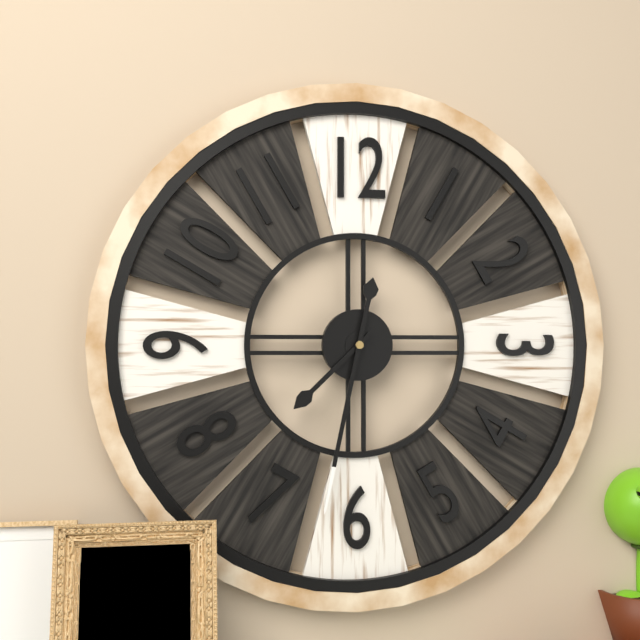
7:32
